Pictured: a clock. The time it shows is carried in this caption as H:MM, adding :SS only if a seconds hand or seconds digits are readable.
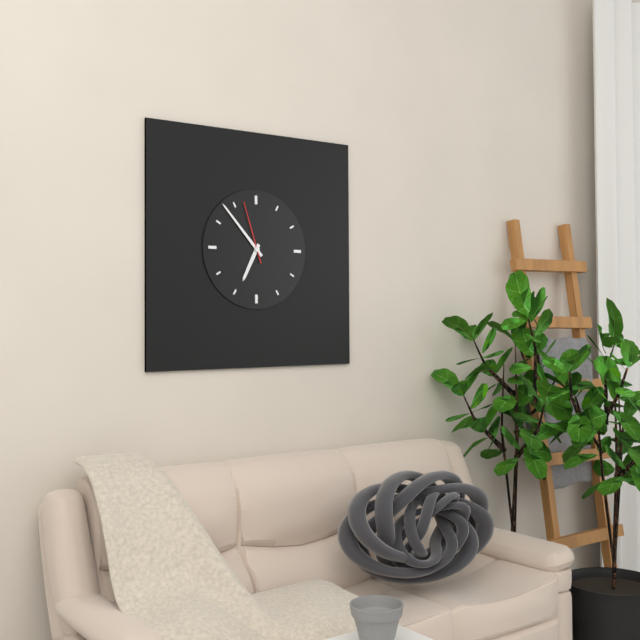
6:53:57
